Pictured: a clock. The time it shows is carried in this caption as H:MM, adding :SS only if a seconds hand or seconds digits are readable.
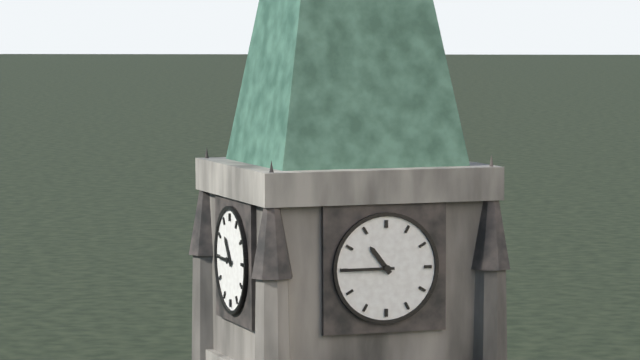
10:45
